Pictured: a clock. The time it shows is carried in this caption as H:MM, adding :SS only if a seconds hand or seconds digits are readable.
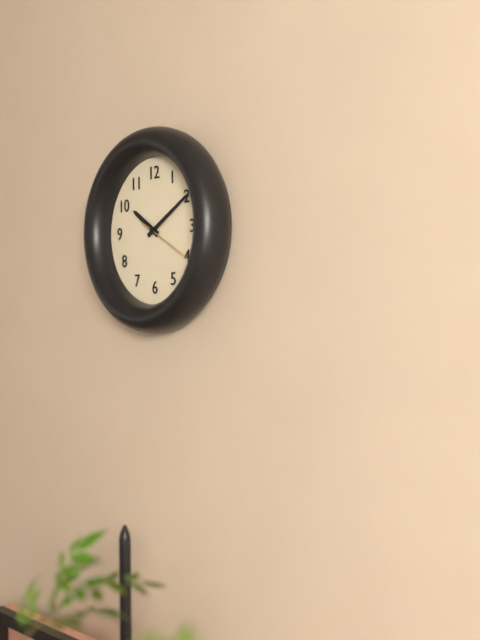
10:10:20
